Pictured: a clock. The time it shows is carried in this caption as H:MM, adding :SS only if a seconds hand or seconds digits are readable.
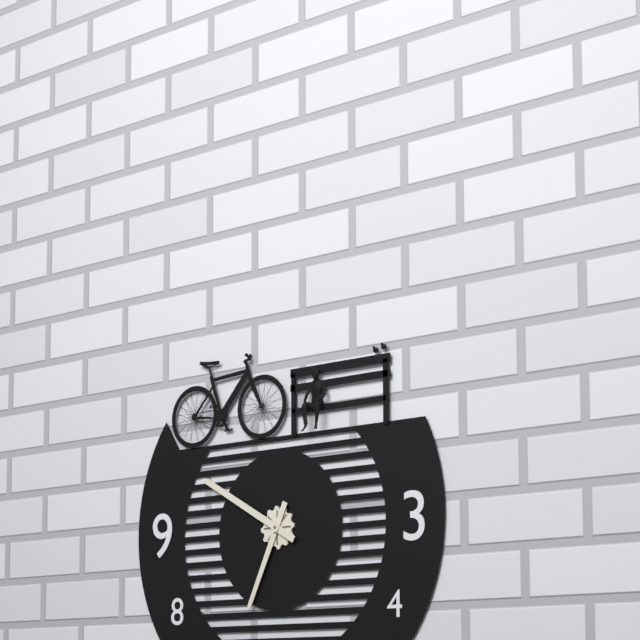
6:50
